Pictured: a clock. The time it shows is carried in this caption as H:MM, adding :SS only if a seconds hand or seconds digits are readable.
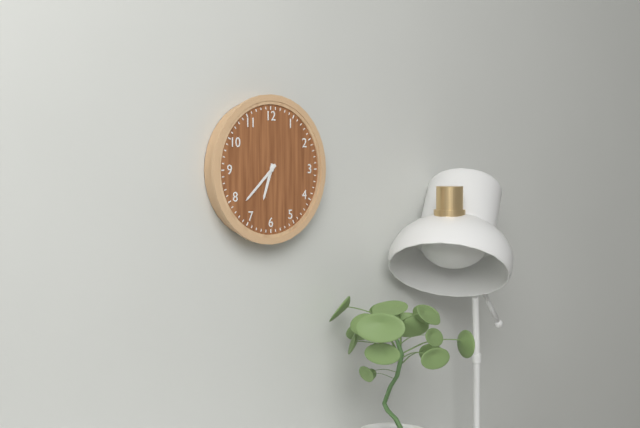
6:38
